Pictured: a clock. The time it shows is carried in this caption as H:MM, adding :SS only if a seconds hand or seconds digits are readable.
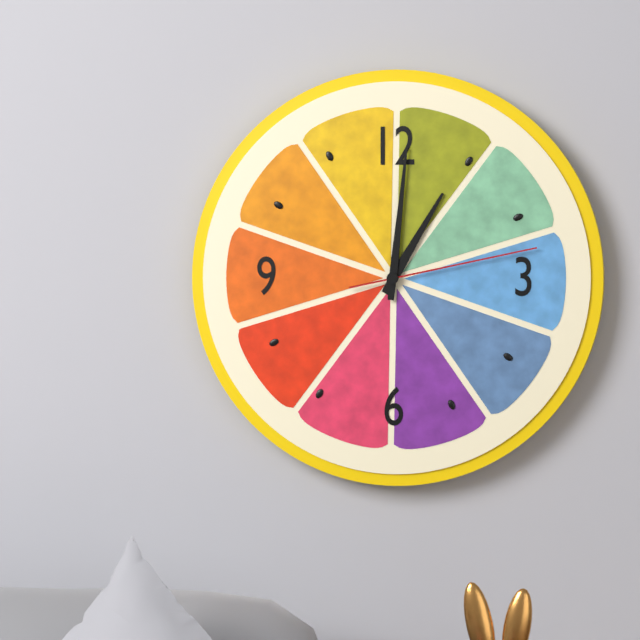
1:01:13
